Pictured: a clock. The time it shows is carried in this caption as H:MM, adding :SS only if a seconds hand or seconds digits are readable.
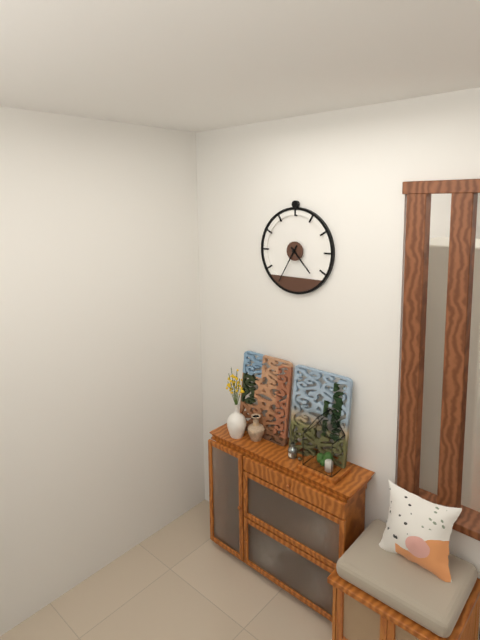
4:35
